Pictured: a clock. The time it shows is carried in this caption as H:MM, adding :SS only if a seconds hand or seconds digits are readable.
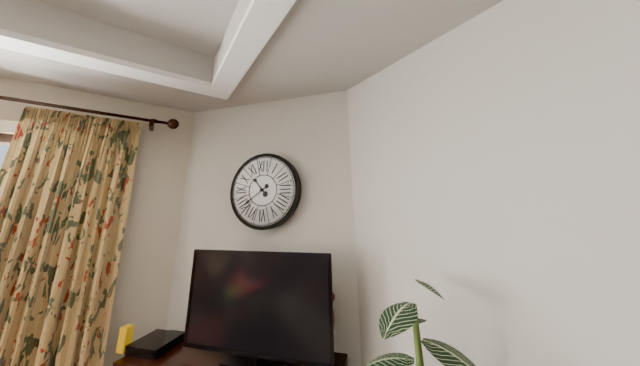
10:39
